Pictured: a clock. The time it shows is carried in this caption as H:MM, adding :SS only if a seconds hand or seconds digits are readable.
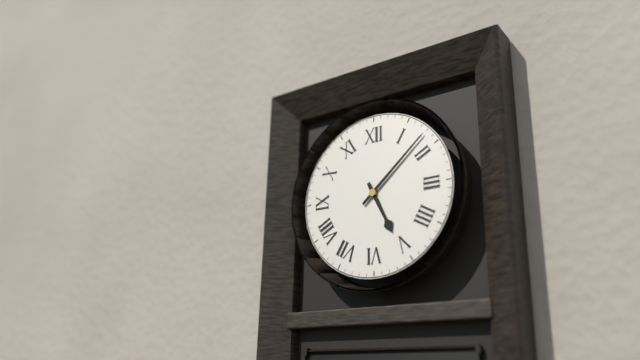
5:08
